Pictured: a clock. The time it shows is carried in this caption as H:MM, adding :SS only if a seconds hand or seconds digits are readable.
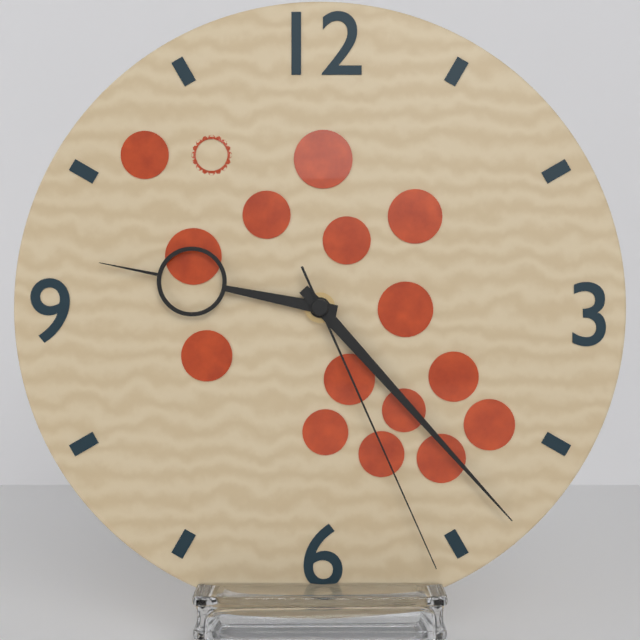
9:23:26
